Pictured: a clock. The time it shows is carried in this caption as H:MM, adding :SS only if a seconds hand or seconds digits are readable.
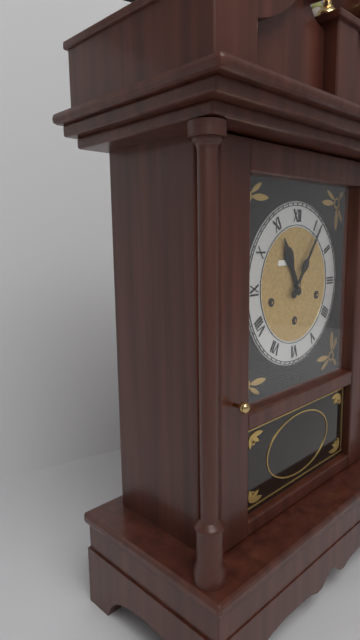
11:06
